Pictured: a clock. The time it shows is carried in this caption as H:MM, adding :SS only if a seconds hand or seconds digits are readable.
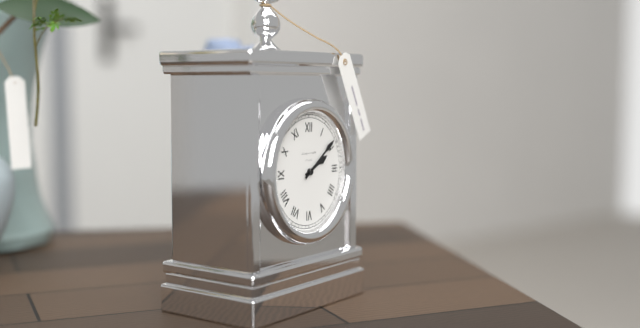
2:09
